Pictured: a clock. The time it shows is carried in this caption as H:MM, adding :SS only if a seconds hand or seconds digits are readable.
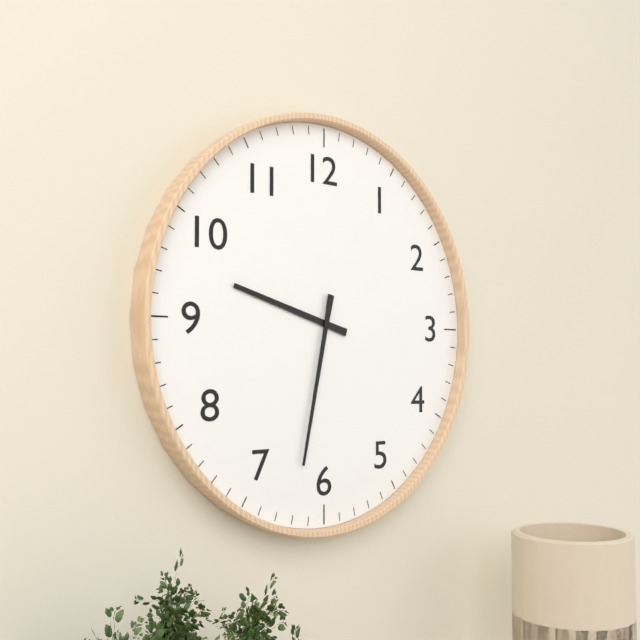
9:32
